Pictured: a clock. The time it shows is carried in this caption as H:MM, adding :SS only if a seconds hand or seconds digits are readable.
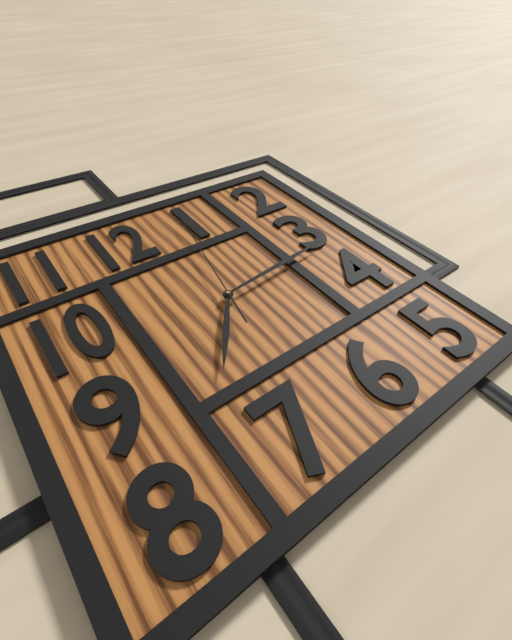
7:14:02
